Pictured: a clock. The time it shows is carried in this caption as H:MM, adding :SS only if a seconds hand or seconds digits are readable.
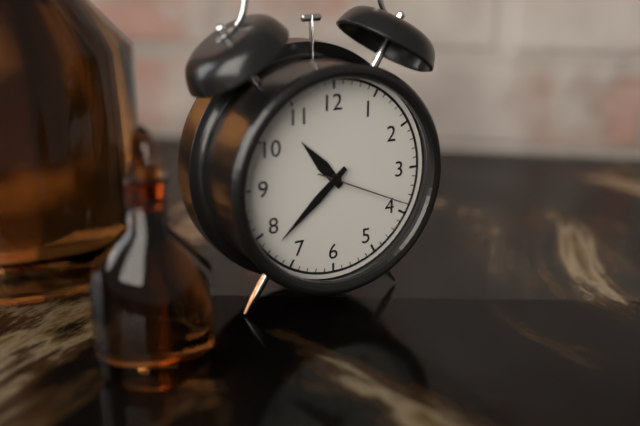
10:38:19
